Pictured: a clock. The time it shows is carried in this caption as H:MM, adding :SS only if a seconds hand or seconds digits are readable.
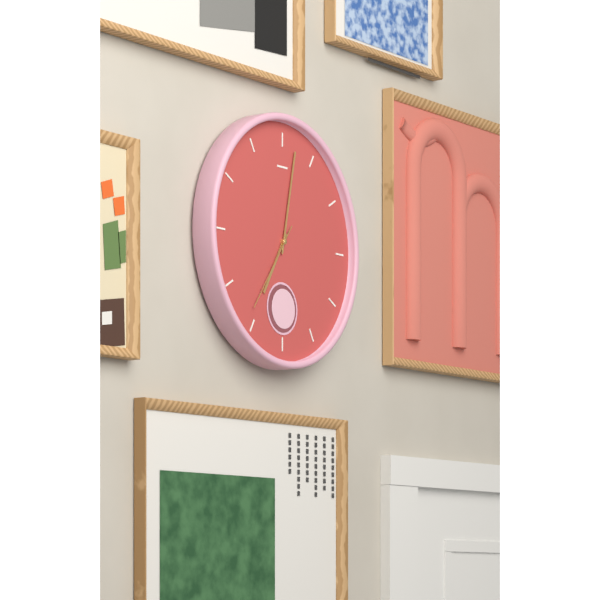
7:02:36
